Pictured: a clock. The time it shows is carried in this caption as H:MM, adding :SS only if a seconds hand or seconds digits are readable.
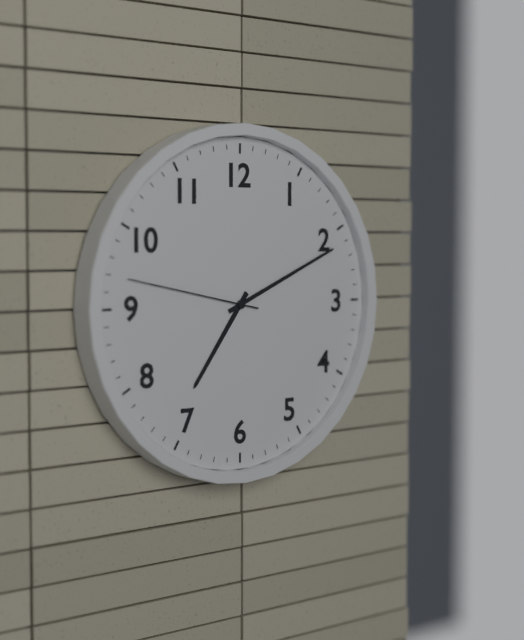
7:11:47
